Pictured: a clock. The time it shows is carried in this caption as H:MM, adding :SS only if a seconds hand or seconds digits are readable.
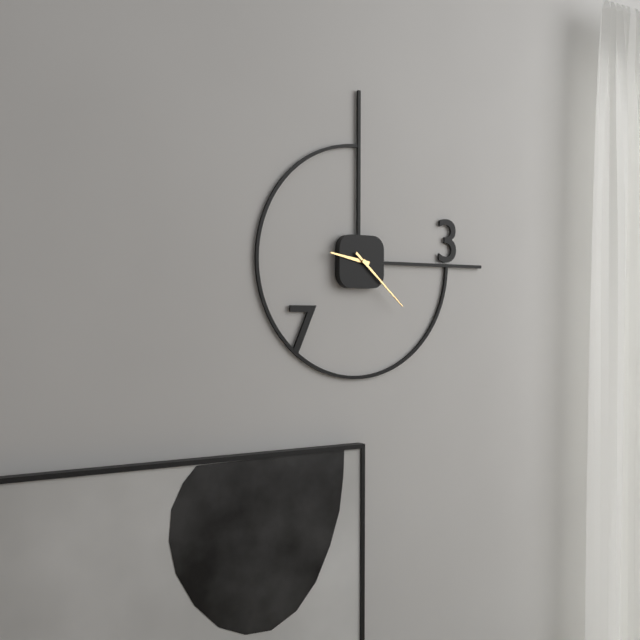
9:22
